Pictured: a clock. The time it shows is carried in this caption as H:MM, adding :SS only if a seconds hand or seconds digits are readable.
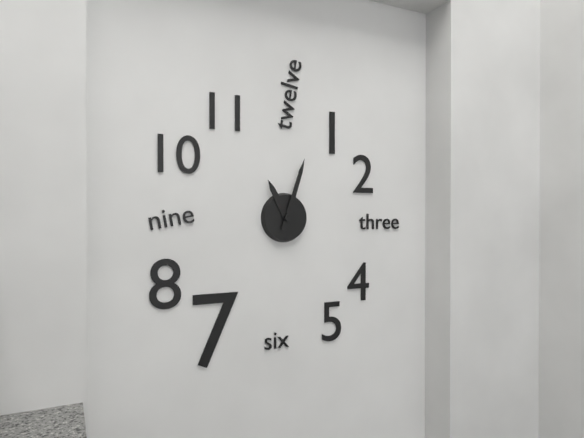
11:03
